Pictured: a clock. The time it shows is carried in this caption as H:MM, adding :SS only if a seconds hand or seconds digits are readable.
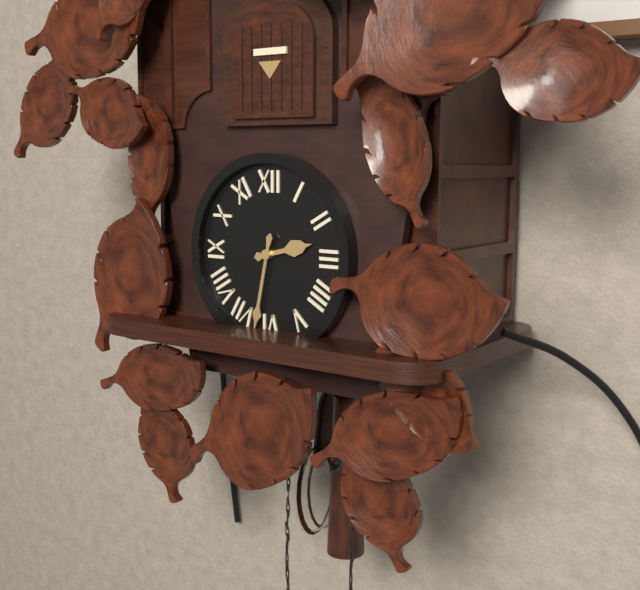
2:32
